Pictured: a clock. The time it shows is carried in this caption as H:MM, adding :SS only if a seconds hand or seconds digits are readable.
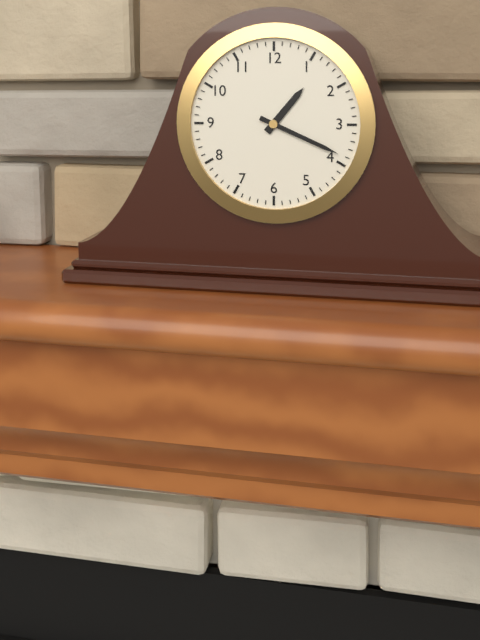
1:19
